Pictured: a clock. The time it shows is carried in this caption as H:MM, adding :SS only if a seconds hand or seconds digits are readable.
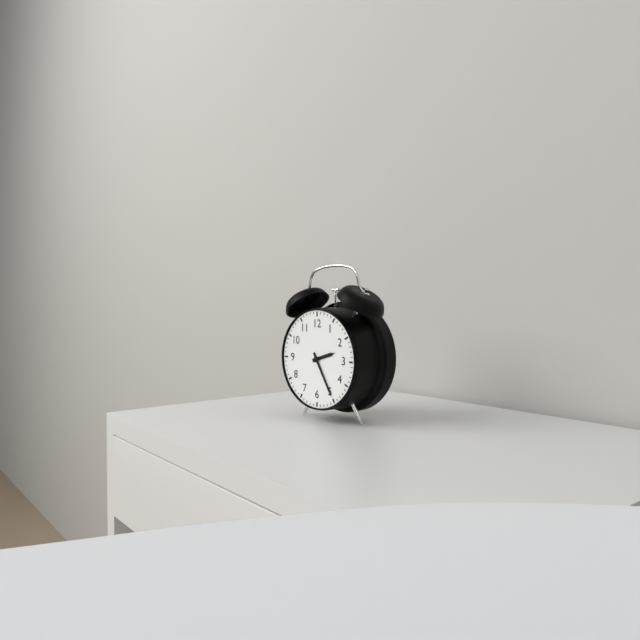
2:25
